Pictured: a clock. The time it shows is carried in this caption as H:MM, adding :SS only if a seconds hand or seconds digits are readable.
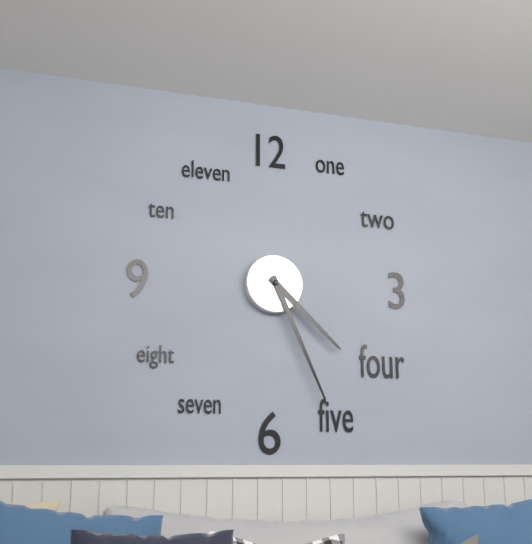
4:26
